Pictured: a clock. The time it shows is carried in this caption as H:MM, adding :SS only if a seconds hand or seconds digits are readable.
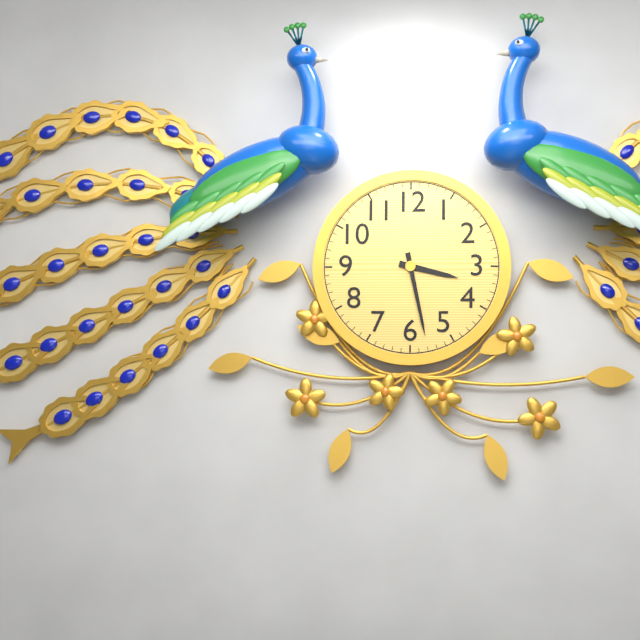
3:28
